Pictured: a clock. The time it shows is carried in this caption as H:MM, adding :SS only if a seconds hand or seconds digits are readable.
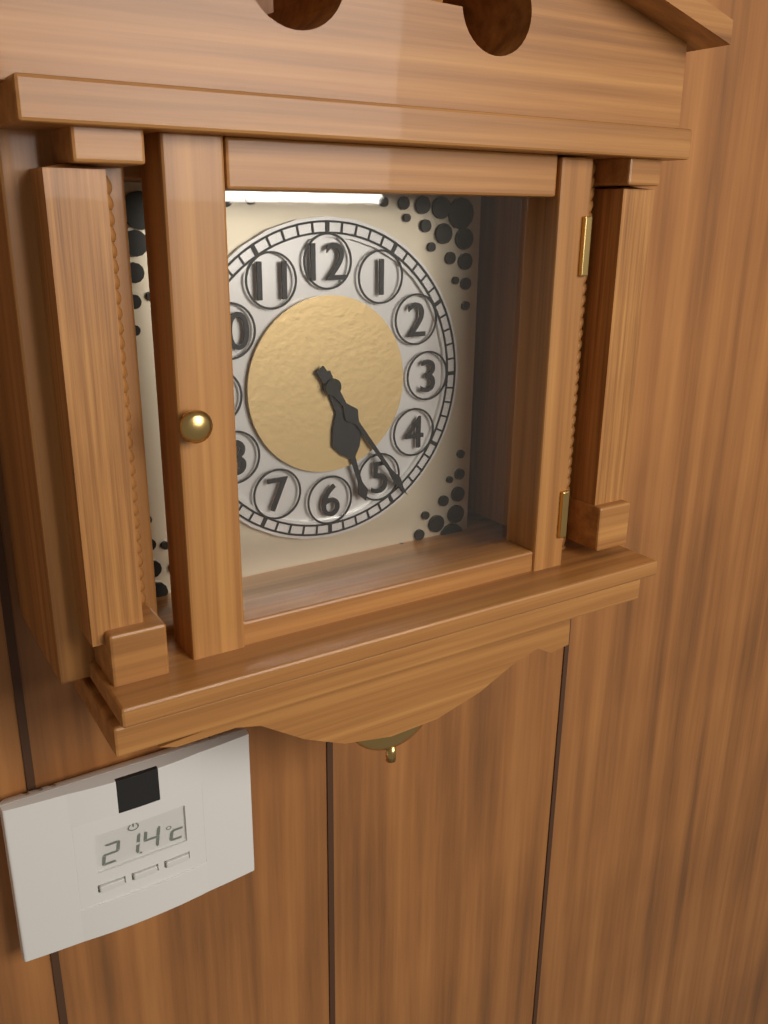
5:24
